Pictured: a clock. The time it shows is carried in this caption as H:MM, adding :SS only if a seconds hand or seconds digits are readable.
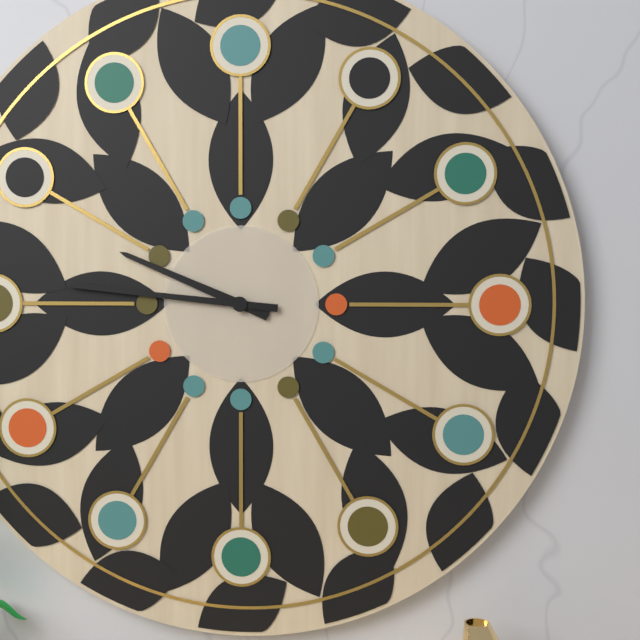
9:46
